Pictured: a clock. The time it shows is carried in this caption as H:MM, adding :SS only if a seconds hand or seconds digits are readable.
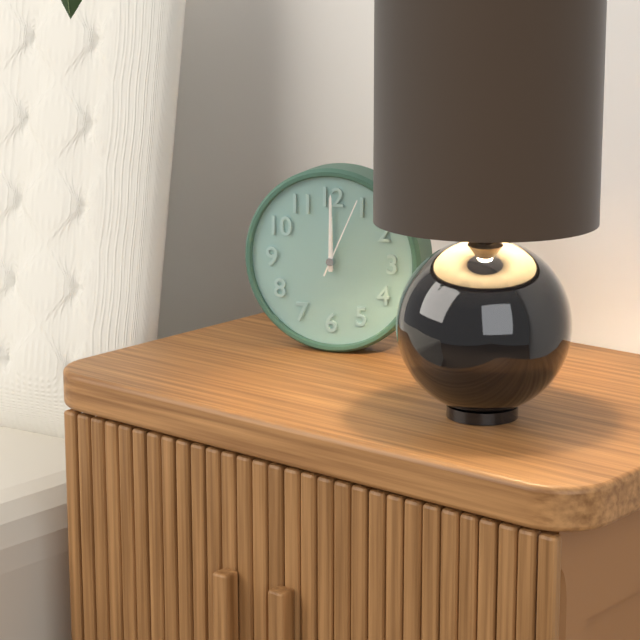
12:00:04
